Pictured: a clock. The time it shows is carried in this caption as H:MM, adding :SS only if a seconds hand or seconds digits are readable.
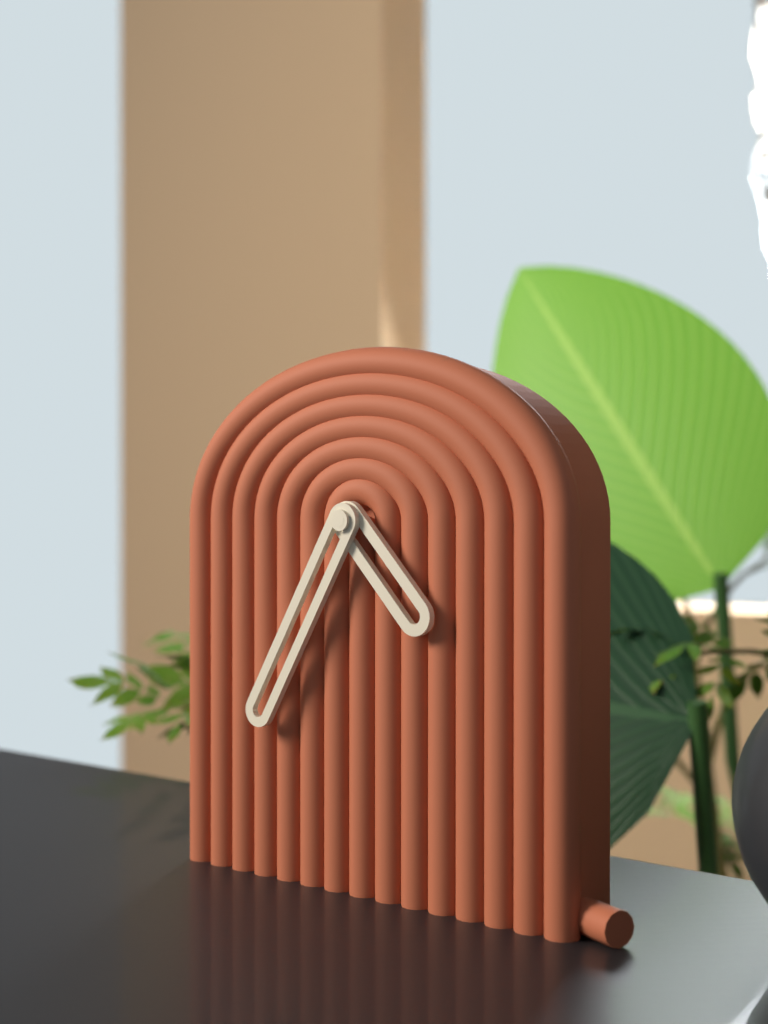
4:35
